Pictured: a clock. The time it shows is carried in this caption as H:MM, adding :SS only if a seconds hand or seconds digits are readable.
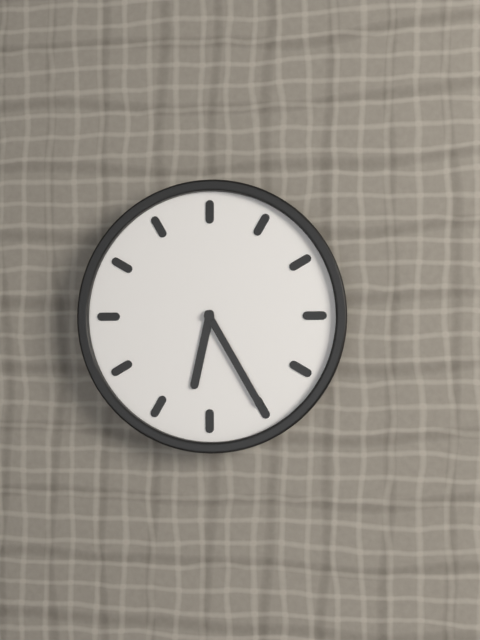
6:25
